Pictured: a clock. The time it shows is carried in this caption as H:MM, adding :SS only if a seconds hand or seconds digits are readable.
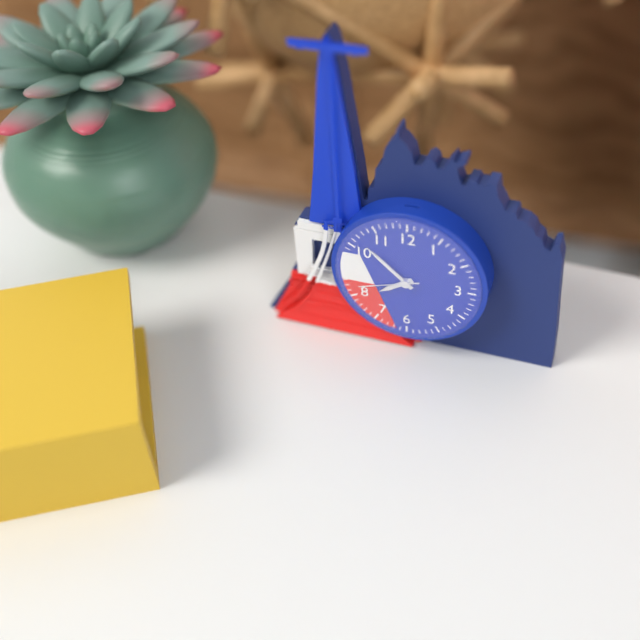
7:52:42
